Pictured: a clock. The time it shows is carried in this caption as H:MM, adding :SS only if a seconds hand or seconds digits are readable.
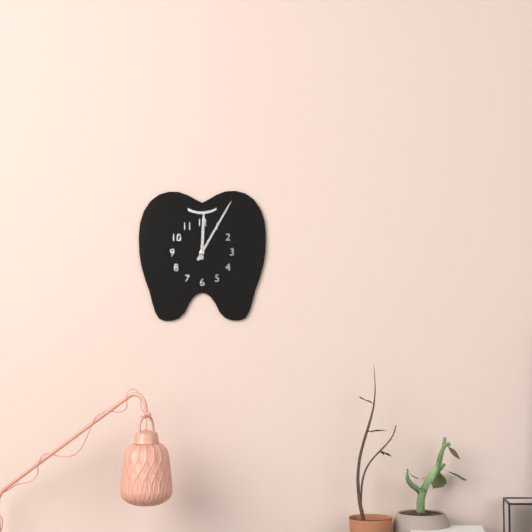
12:05
